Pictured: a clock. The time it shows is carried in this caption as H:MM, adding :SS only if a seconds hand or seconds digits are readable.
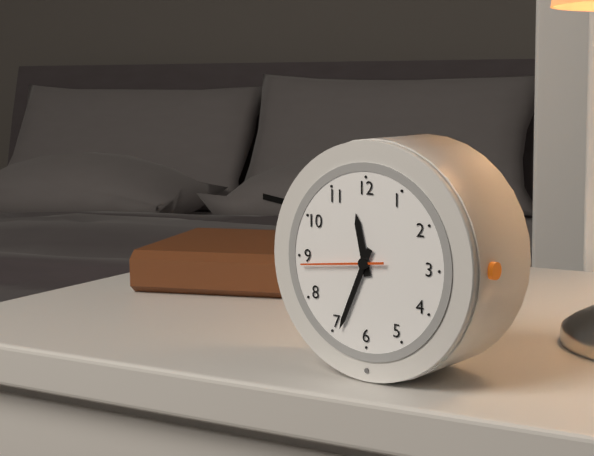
11:34:44
